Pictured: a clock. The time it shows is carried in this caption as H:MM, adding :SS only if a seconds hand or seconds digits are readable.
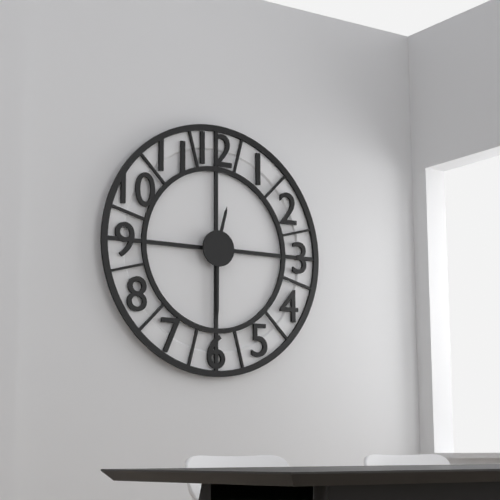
12:30
